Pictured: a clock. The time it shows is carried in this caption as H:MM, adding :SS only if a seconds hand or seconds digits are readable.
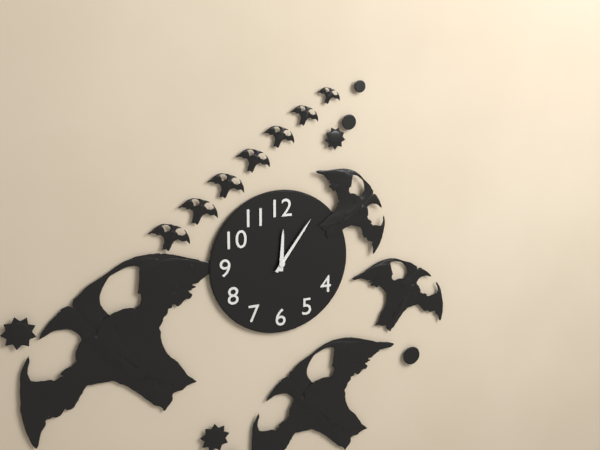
12:06
